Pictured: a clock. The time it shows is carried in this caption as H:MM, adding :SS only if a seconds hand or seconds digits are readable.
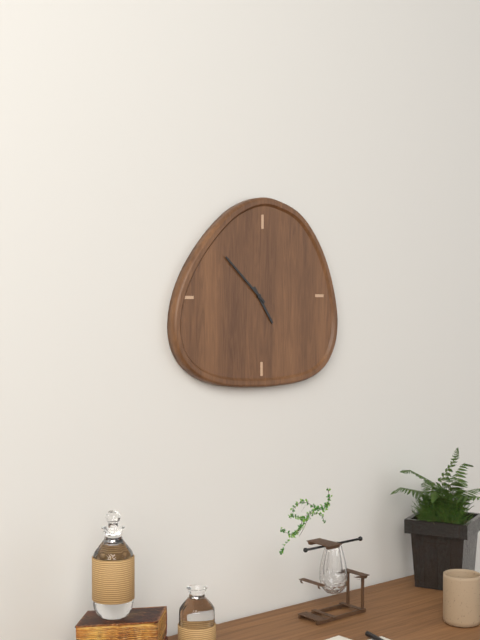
4:52
